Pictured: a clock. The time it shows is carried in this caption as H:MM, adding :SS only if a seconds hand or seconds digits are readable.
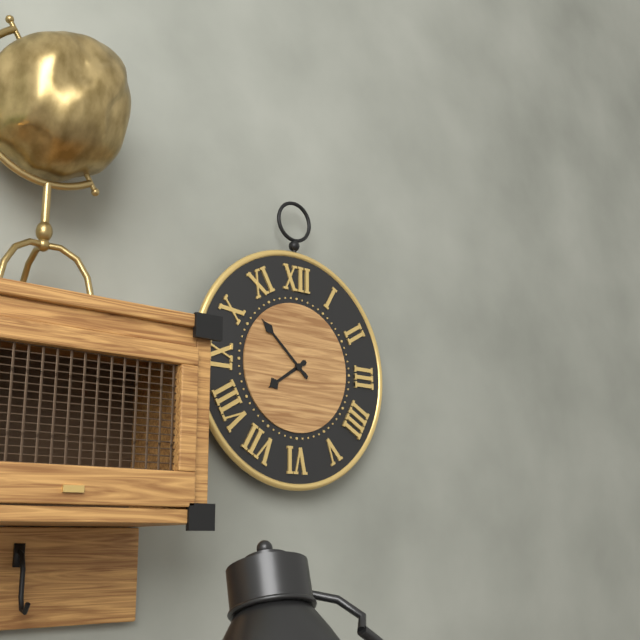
7:52
